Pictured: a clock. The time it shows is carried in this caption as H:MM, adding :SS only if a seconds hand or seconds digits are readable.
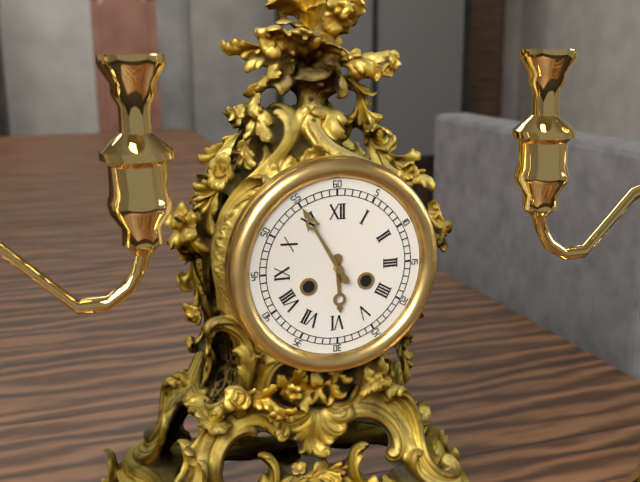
5:55
